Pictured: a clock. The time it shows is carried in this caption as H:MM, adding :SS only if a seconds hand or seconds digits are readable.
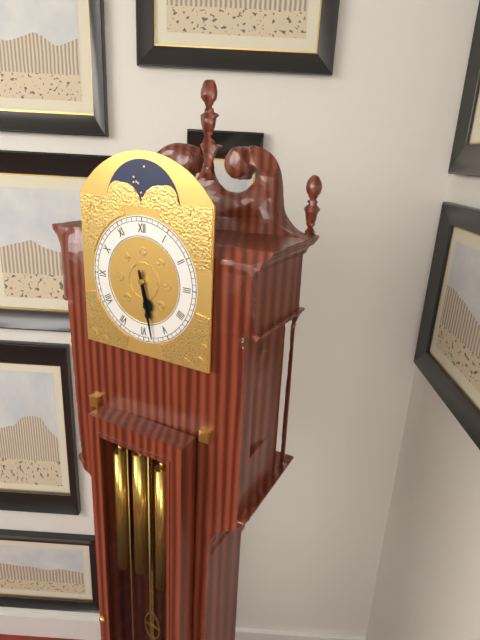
5:28
